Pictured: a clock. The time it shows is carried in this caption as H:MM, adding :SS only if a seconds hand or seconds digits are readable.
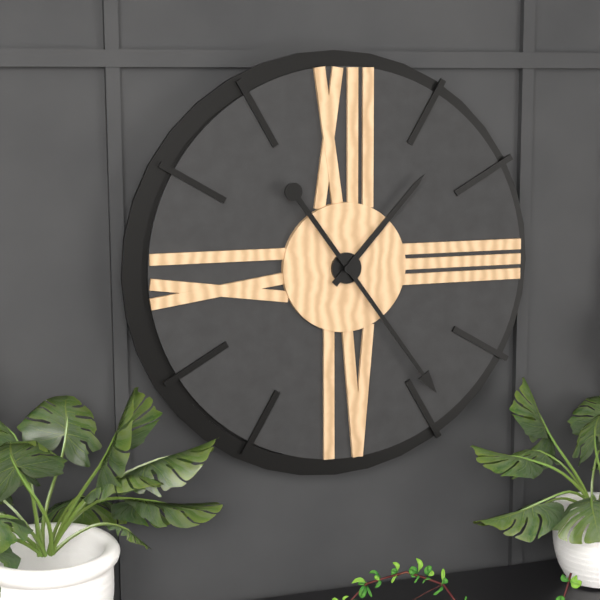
1:24
